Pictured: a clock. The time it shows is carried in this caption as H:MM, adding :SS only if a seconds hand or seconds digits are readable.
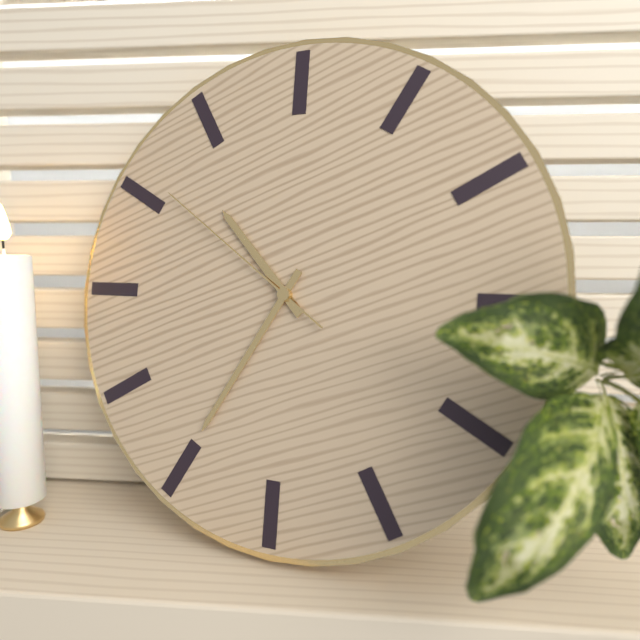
10:35:51
